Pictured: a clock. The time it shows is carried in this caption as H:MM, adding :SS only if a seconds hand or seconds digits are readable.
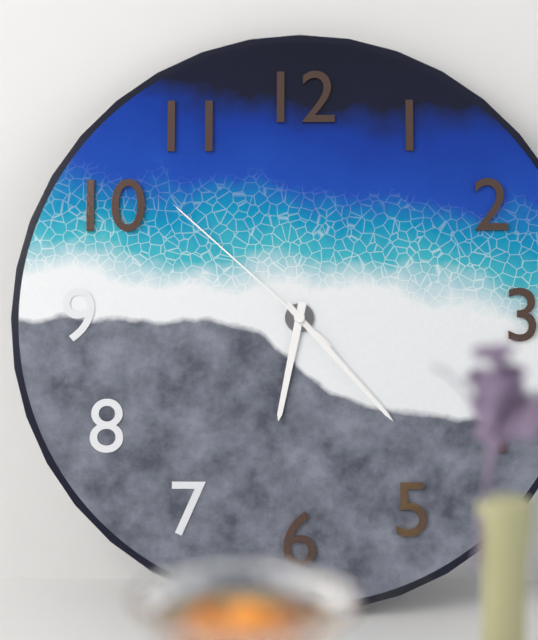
6:23:52
